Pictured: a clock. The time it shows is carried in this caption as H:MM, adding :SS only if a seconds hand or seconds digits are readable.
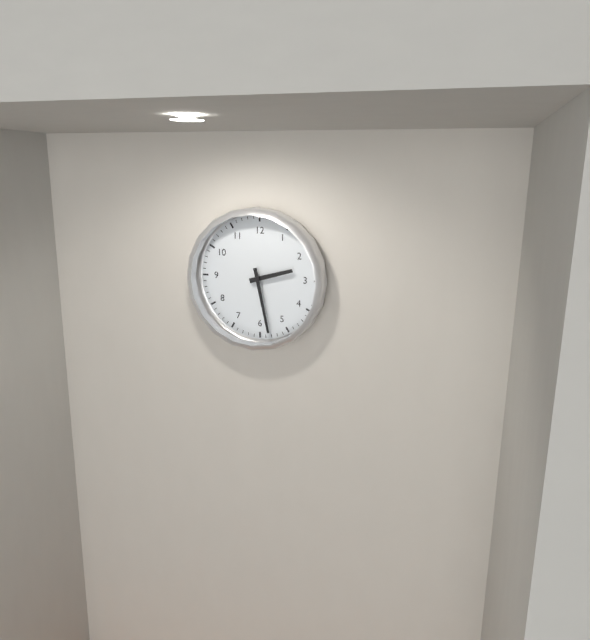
2:28
